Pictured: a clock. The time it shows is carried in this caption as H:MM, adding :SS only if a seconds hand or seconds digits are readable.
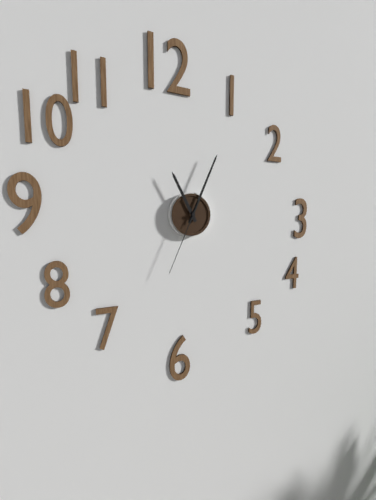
11:04:34
